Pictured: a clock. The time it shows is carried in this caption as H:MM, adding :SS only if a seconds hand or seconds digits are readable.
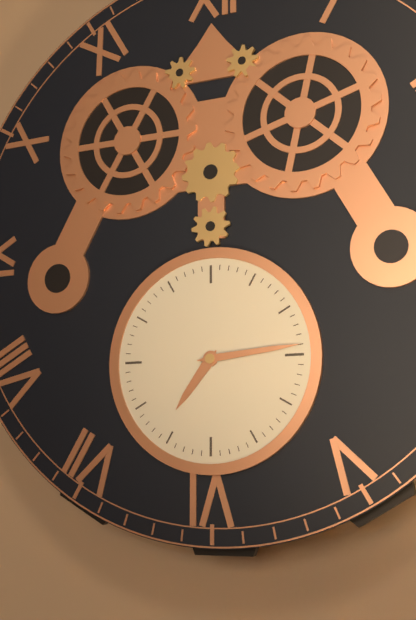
7:14
